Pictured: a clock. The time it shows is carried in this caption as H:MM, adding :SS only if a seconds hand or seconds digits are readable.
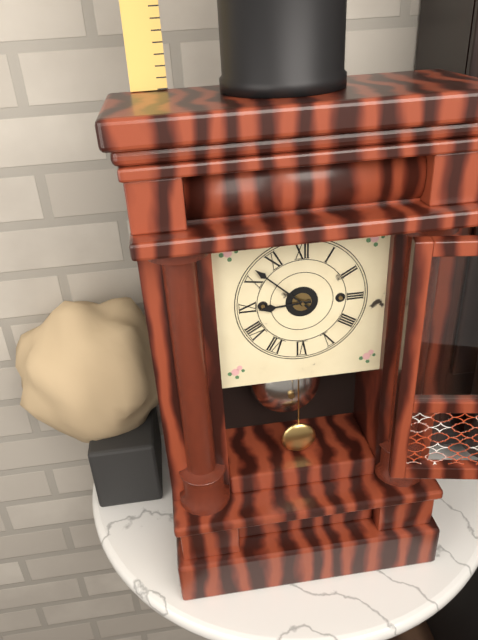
8:52
